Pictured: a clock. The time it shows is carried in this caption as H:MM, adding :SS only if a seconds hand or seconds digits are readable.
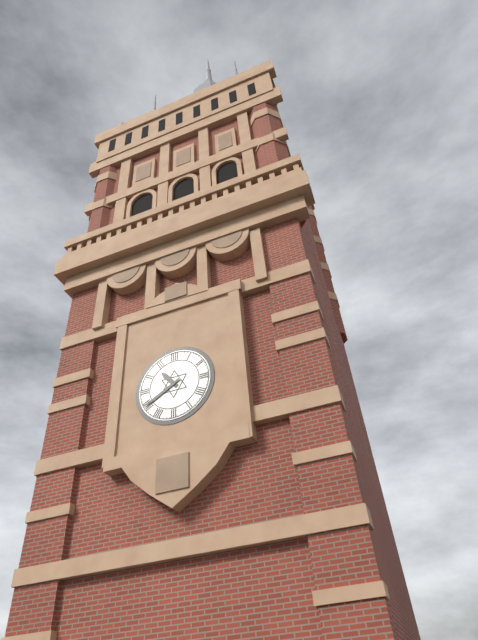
10:40
